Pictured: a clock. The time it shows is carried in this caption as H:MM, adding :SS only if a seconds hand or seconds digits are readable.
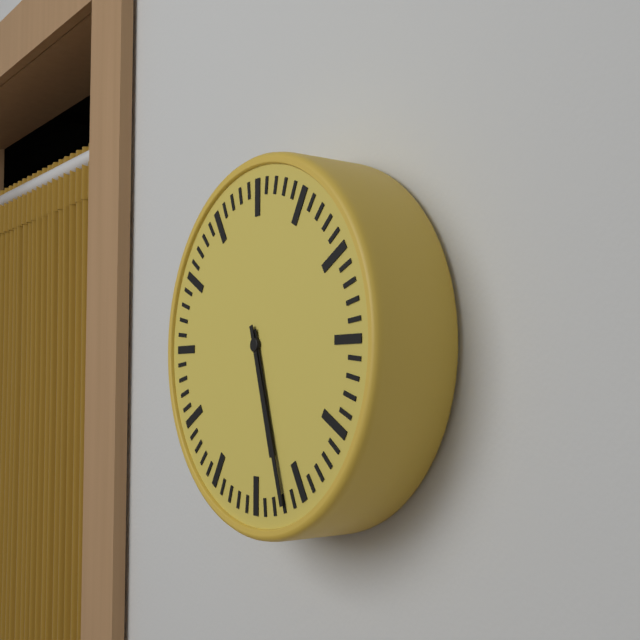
5:27
